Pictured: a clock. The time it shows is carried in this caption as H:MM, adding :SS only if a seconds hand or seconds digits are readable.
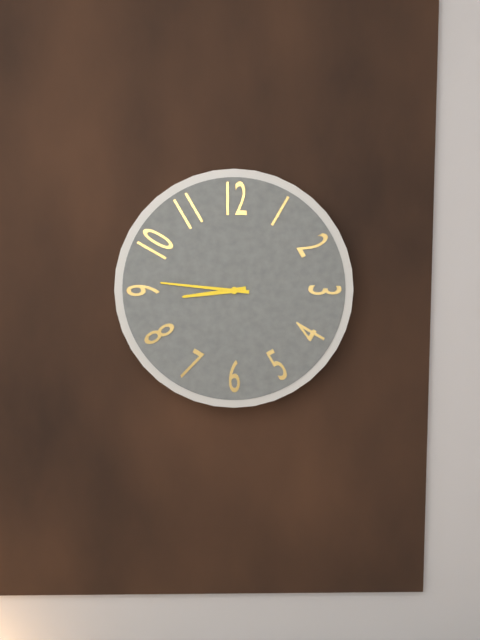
8:46
